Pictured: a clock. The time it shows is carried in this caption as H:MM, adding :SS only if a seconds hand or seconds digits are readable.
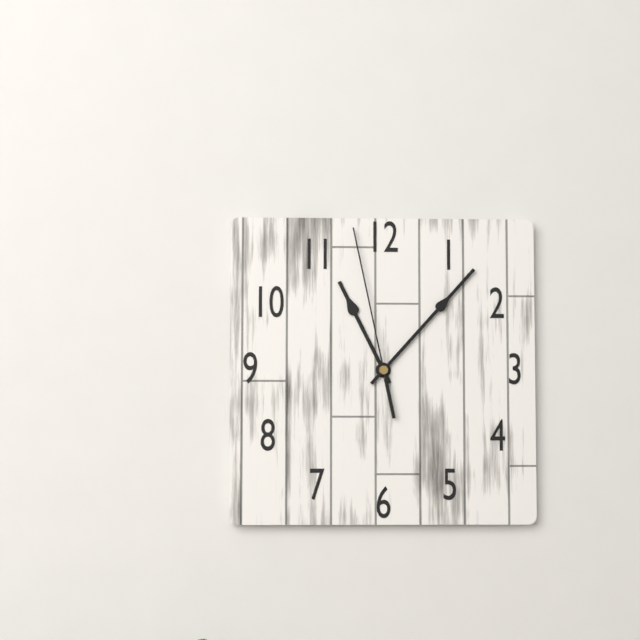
11:07:58
